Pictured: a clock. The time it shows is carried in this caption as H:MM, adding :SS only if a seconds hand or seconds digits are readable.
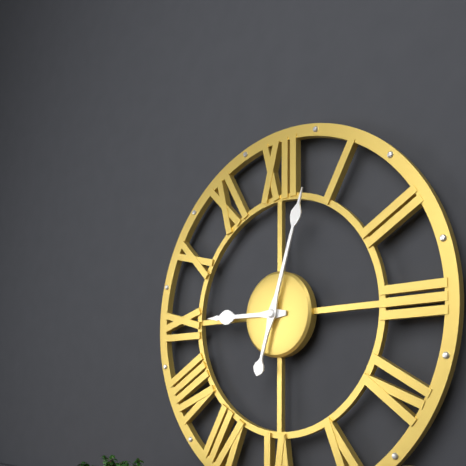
9:03
